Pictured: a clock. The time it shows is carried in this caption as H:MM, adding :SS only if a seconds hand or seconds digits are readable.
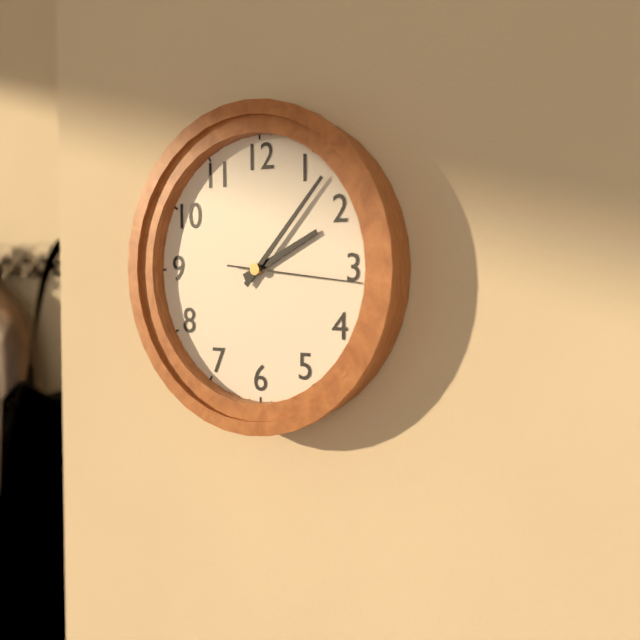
2:07:16
